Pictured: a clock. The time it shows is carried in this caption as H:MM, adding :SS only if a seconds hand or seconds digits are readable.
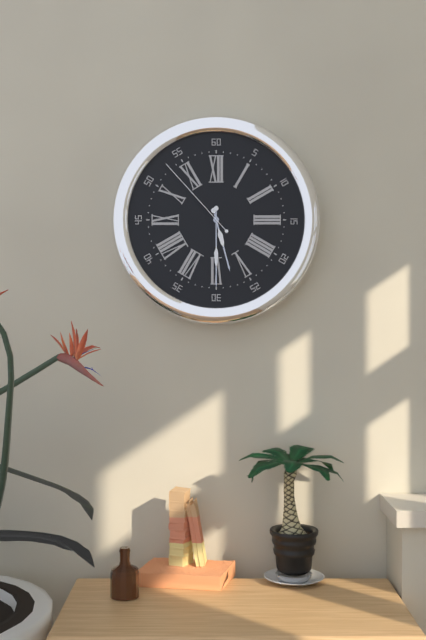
5:30:53
